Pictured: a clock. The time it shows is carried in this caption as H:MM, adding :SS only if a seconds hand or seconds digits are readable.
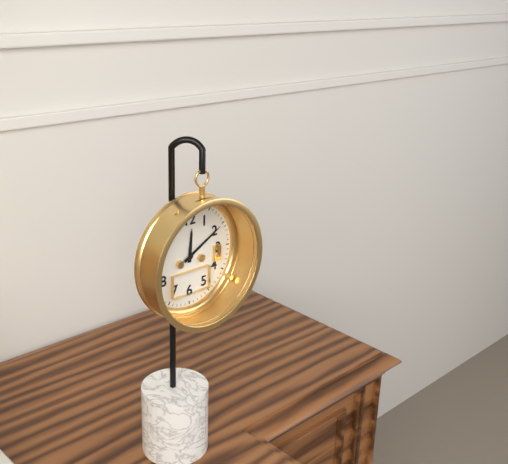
12:10
